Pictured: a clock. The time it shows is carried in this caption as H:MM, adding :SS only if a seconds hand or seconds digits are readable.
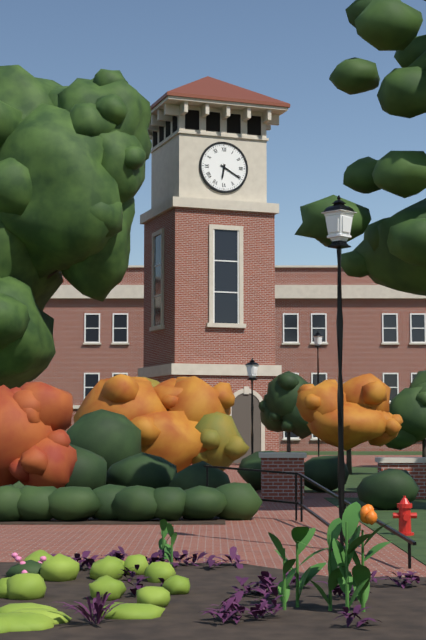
6:20
